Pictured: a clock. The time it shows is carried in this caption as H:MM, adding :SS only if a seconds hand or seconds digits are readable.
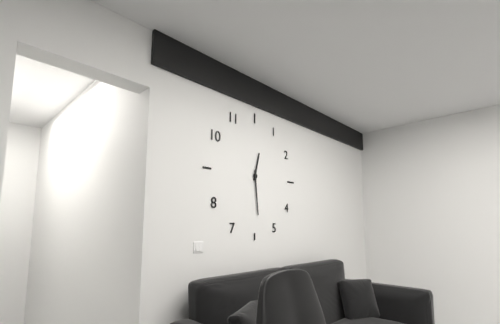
12:29
